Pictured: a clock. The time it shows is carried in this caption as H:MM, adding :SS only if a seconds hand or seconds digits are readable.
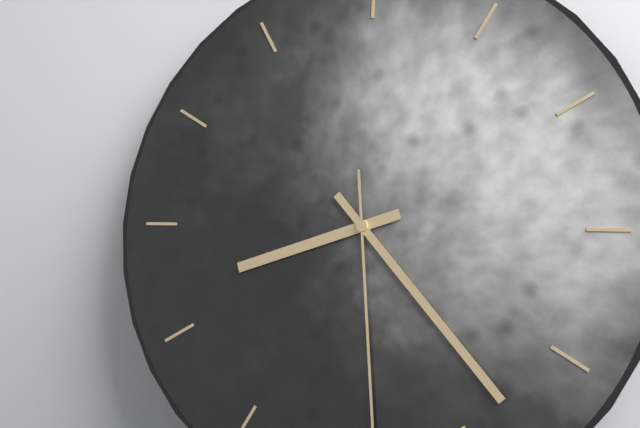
8:23
